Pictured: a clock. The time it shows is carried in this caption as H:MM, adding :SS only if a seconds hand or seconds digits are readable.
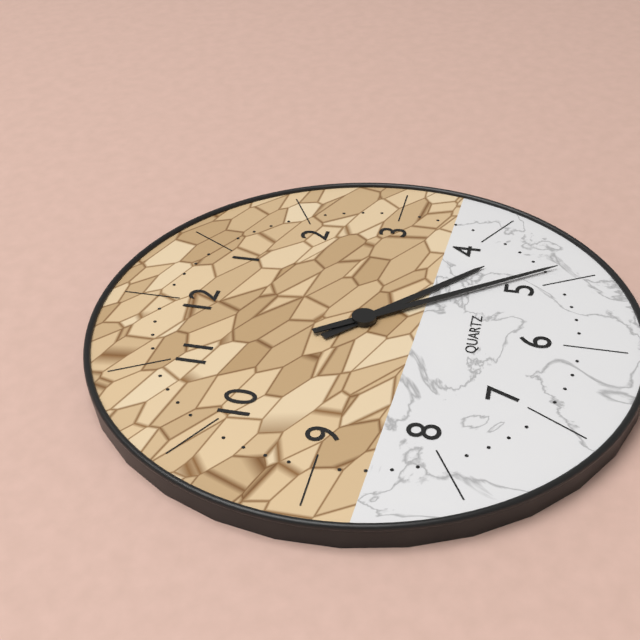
4:24
